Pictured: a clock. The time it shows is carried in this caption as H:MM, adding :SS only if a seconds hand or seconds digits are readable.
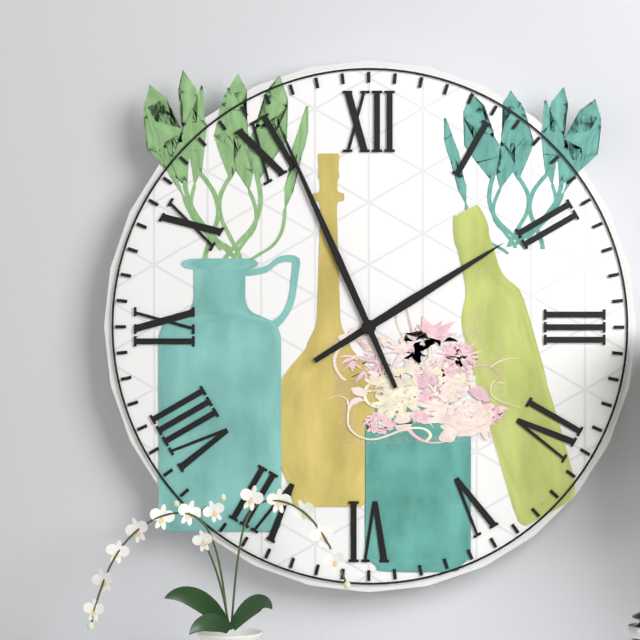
1:56
